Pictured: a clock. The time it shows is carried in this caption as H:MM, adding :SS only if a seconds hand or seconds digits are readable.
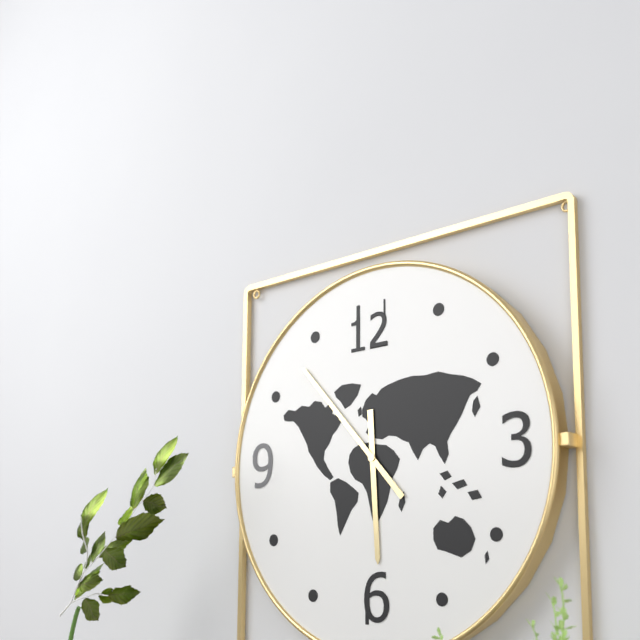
5:53
